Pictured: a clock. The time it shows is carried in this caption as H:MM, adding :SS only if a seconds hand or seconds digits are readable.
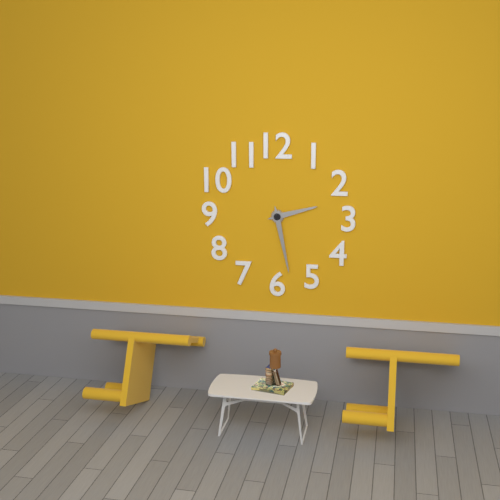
2:28
